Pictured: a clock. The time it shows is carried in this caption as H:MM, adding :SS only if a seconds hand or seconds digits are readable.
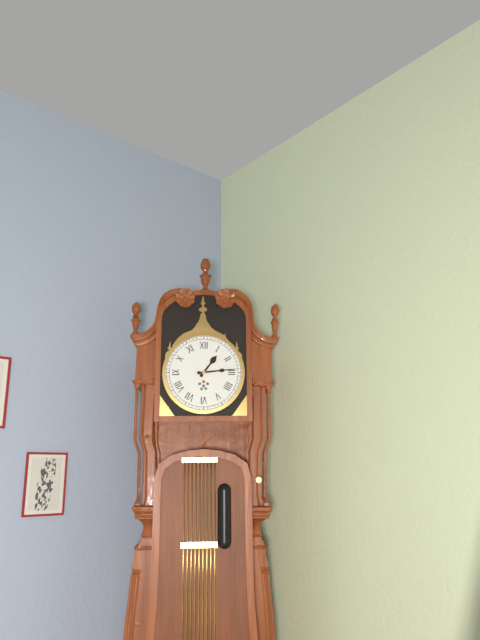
1:14
